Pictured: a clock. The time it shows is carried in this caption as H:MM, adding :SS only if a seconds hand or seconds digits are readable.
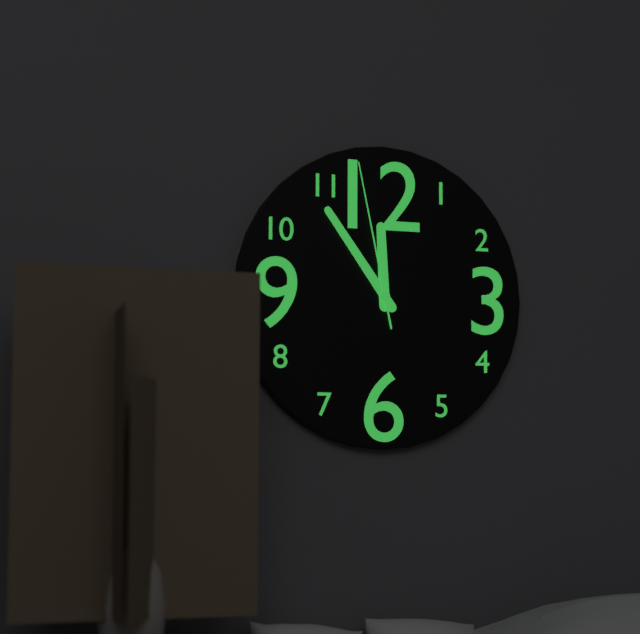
11:54:58
